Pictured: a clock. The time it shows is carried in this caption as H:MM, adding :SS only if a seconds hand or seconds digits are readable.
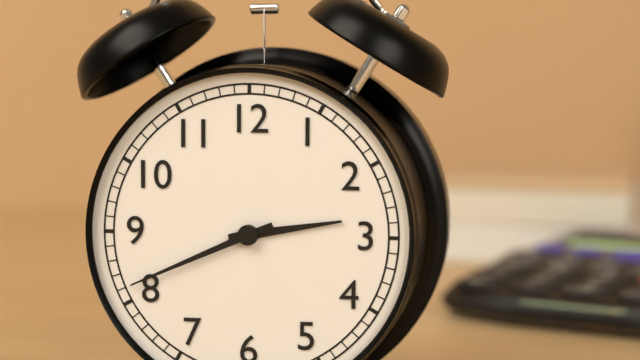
2:41
